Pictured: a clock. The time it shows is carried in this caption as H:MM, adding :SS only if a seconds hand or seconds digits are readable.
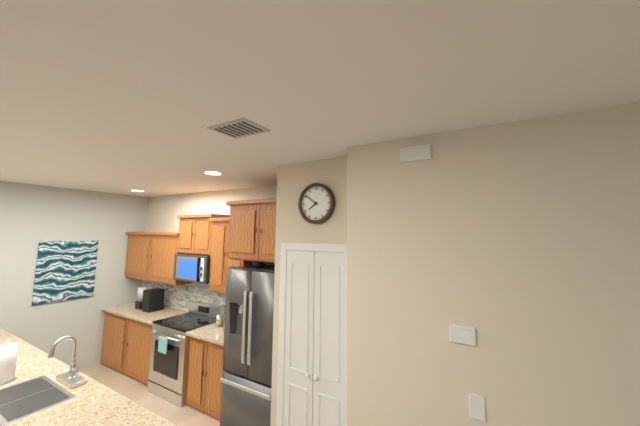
7:51
